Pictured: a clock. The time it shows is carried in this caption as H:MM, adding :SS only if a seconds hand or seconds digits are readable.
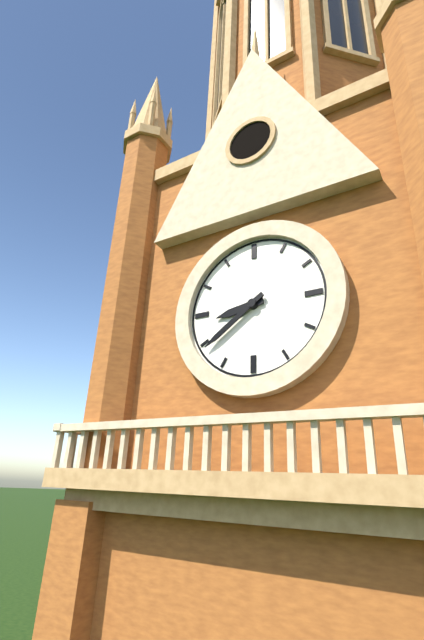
8:39
